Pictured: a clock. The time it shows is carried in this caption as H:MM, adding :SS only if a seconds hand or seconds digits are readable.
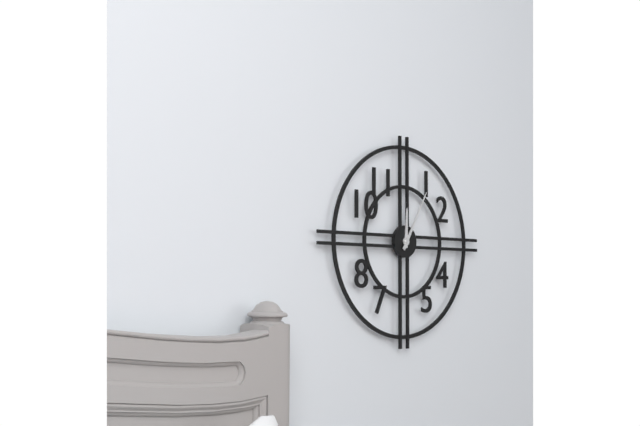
12:05
